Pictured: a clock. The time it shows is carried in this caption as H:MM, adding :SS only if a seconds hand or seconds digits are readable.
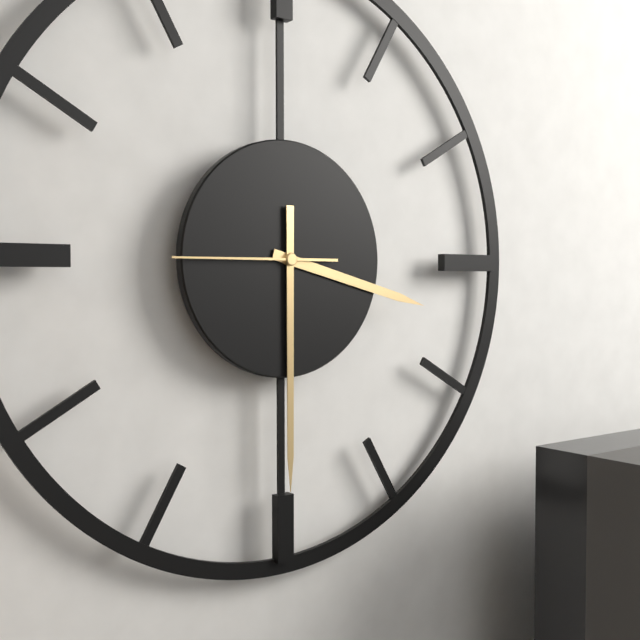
3:30:45
